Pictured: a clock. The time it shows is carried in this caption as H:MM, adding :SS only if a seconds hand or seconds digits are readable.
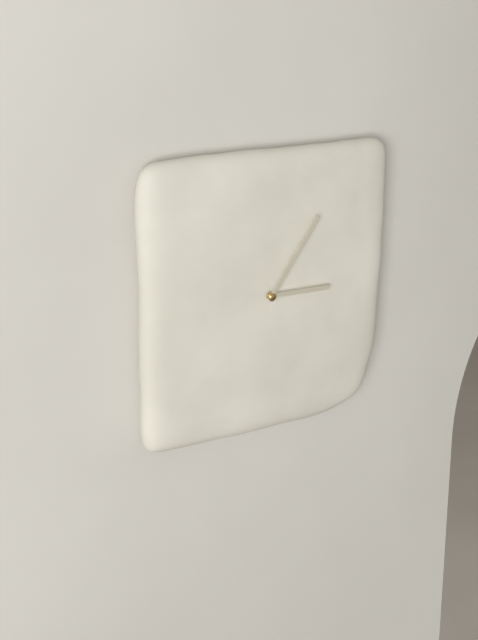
3:06
